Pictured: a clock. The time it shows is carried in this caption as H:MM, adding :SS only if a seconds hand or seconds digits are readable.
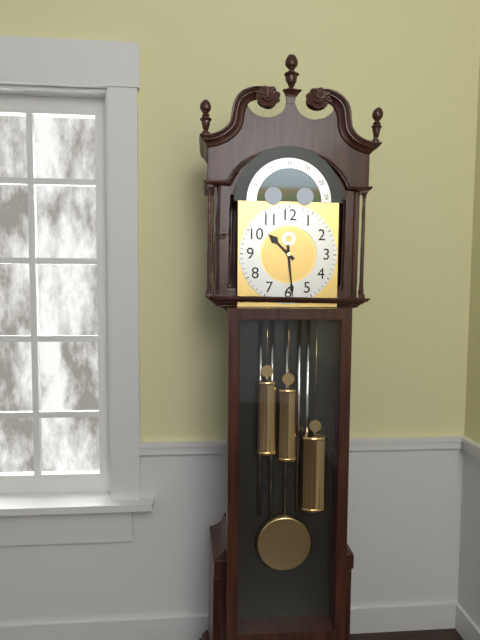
10:29
